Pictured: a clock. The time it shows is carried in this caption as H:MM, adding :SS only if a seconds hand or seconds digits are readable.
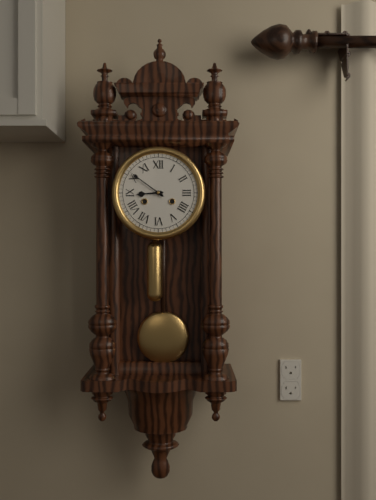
8:51
